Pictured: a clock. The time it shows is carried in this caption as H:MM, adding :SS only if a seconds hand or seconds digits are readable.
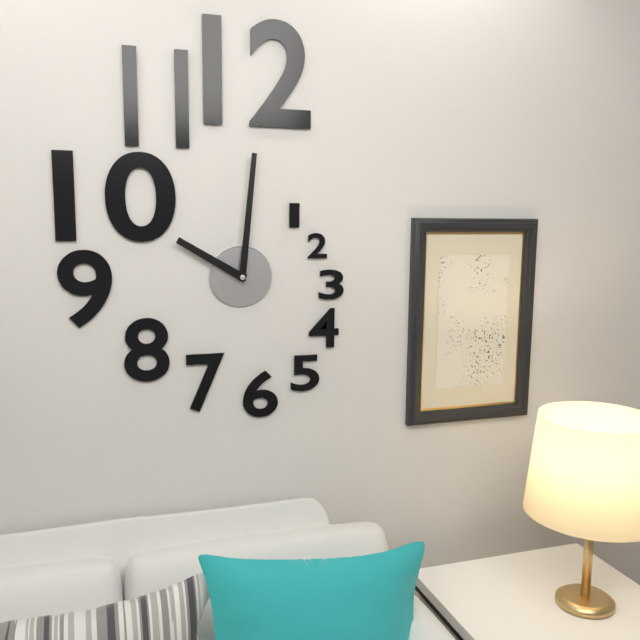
10:01
